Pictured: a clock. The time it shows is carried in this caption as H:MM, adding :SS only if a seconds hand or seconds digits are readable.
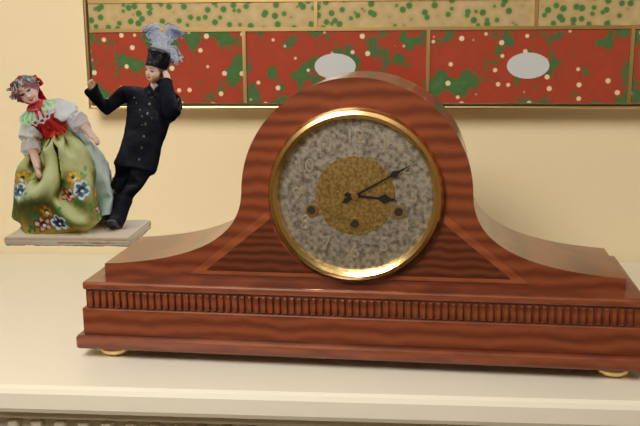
3:10
